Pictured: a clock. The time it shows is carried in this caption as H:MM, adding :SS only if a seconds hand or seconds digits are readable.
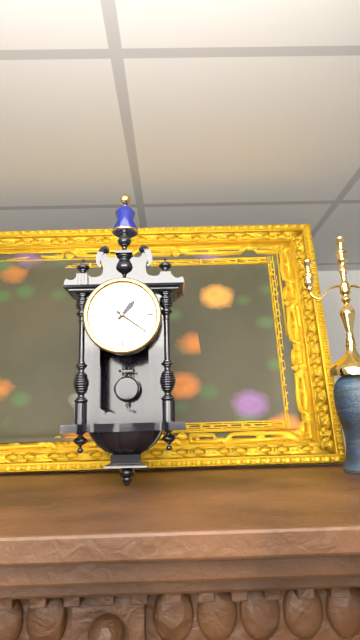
1:21
